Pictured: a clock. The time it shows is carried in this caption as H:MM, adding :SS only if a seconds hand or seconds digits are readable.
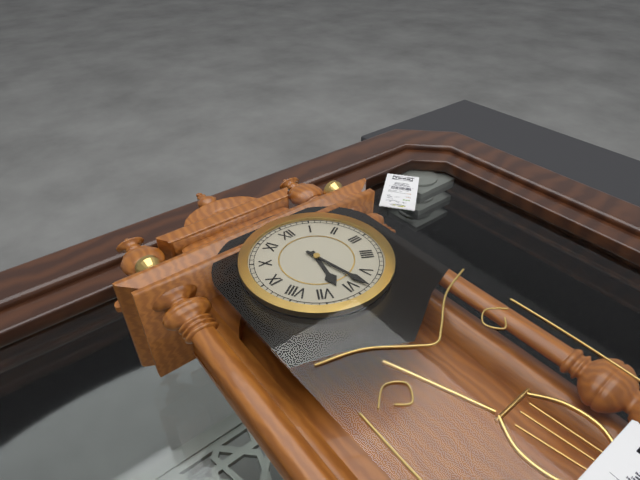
6:28
